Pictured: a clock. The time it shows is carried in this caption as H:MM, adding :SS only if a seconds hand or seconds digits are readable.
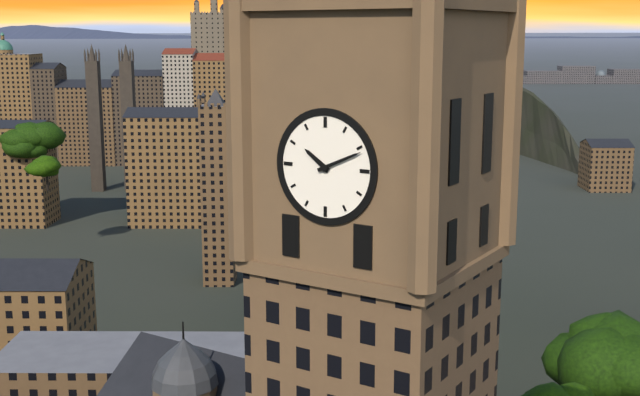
10:11
